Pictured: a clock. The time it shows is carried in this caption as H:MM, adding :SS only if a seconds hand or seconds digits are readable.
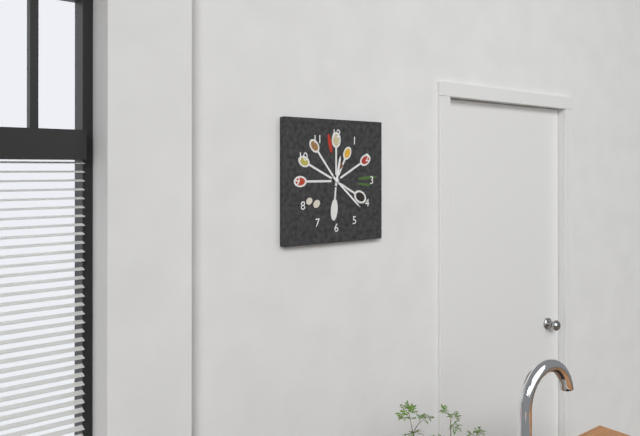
12:22
